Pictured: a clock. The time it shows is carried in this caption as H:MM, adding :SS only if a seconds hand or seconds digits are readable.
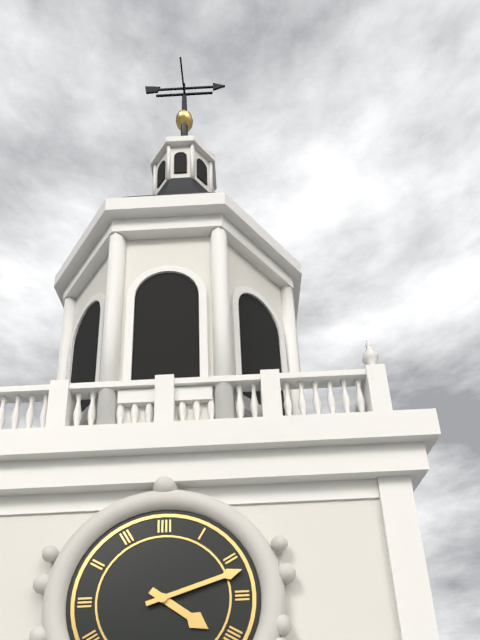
4:12
